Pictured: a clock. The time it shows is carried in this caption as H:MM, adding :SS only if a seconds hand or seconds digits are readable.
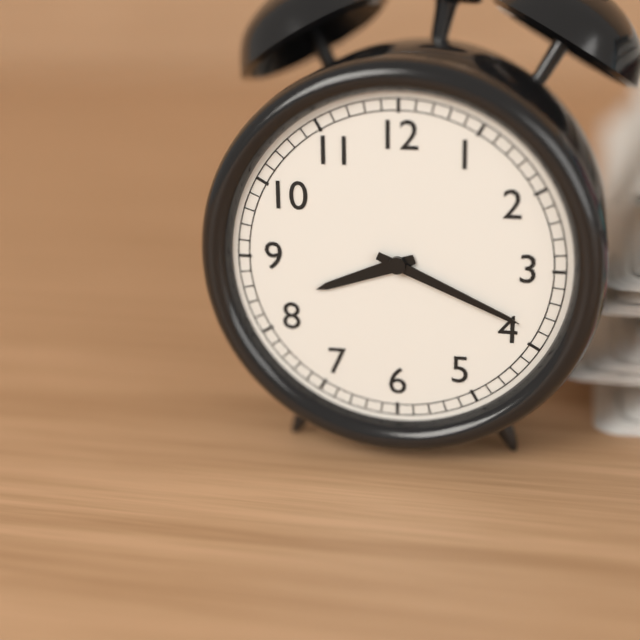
8:19
